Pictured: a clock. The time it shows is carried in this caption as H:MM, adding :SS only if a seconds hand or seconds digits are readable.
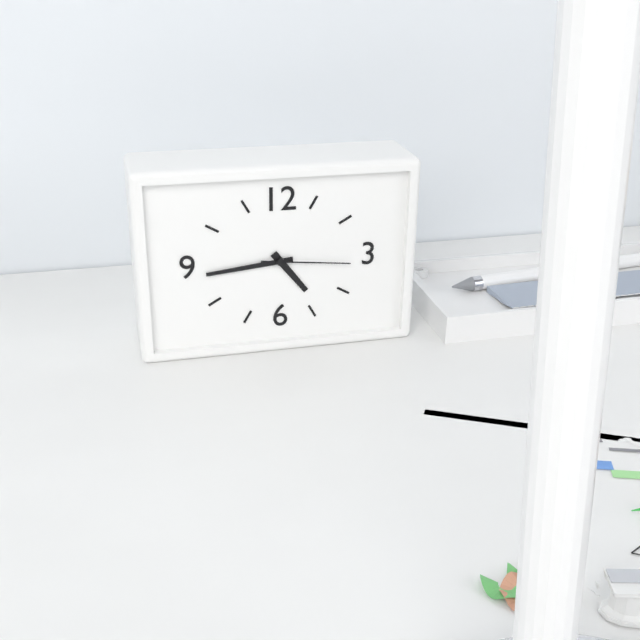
4:44:16
